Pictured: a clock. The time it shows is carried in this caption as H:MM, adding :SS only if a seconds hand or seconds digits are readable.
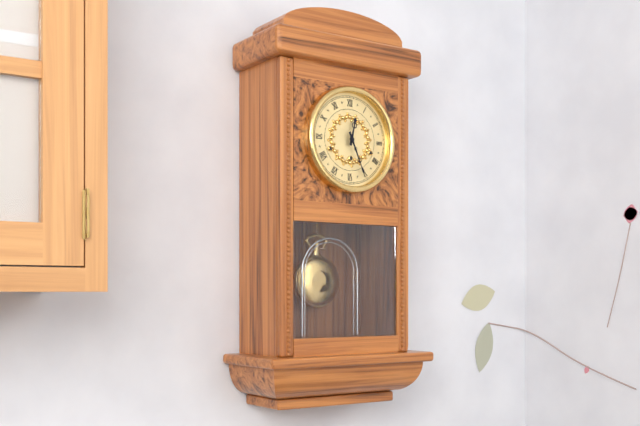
12:26
